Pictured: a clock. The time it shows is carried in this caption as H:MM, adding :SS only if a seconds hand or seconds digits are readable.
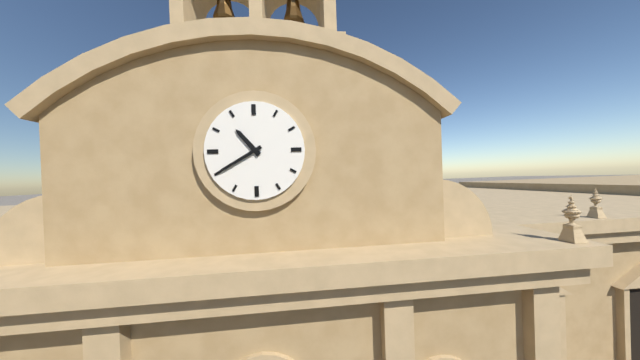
10:40
